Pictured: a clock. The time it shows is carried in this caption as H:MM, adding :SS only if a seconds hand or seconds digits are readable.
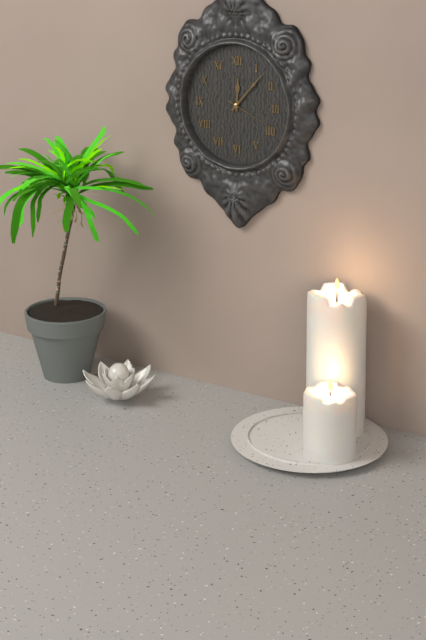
12:07
